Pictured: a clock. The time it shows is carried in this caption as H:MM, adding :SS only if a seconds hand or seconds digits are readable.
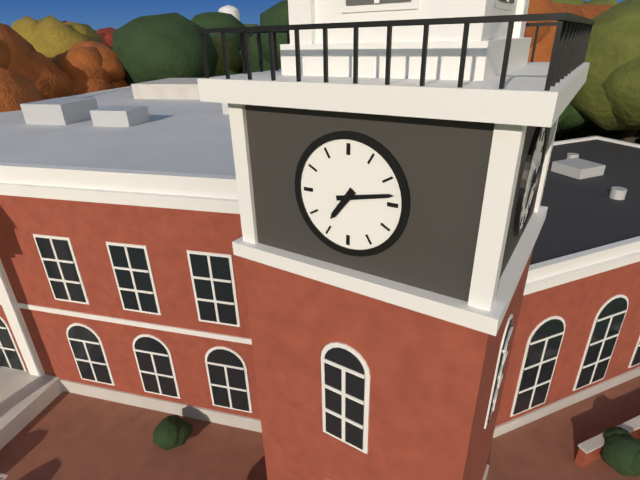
7:13
